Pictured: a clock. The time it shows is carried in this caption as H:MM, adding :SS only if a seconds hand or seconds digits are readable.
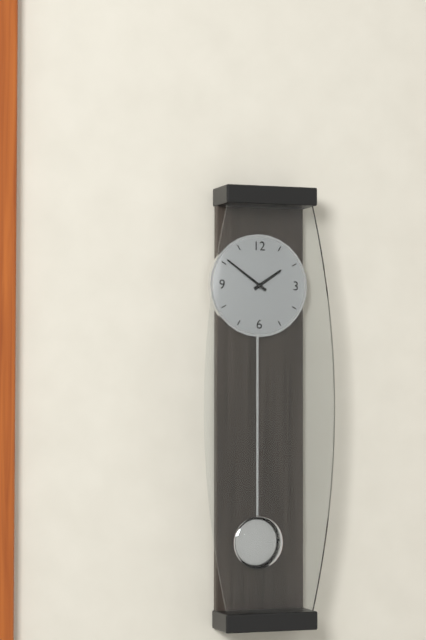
1:51
